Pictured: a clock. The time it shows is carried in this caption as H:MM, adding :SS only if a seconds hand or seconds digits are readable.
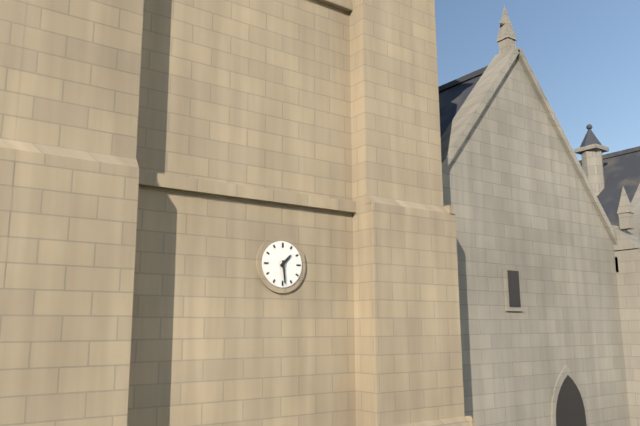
1:29
